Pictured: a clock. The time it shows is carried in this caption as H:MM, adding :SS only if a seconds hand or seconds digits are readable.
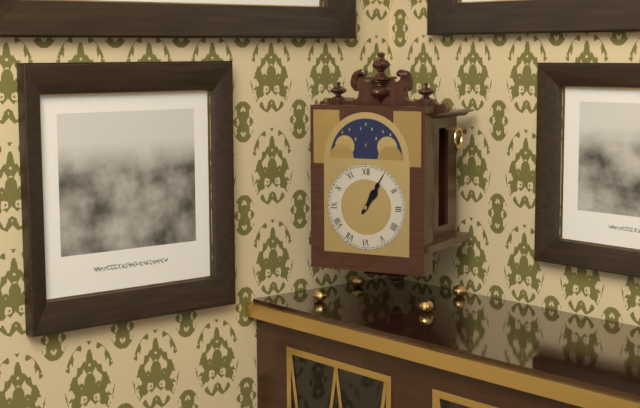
1:05
